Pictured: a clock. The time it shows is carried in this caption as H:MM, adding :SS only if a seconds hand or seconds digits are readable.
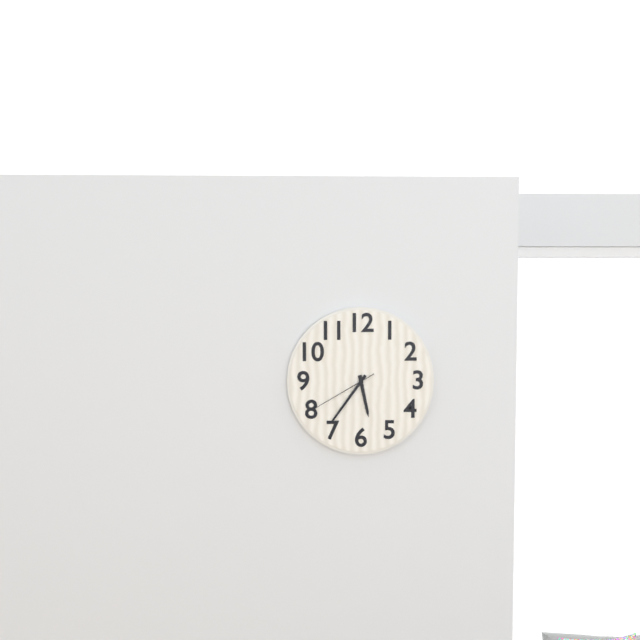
5:36:40
